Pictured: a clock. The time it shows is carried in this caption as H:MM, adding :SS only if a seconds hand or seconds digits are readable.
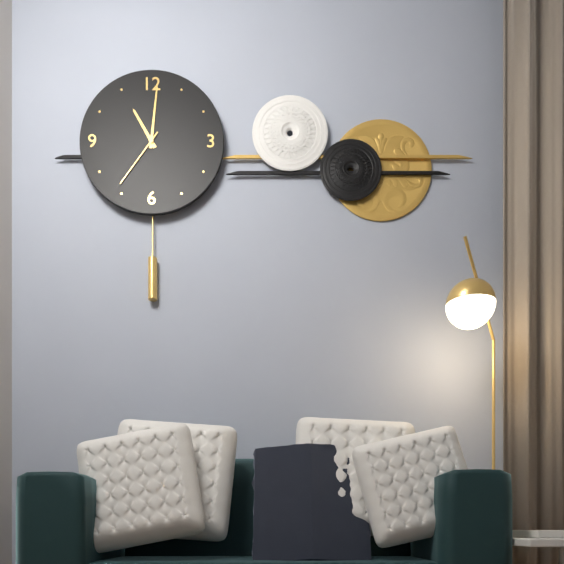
11:01:36
